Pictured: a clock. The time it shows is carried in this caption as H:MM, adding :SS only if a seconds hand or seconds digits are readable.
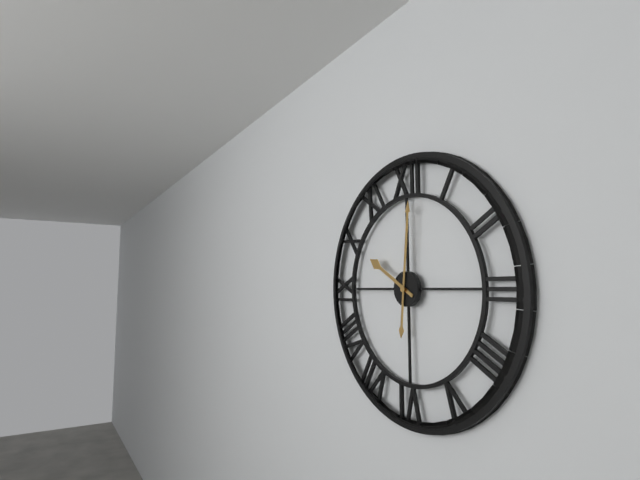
10:01
